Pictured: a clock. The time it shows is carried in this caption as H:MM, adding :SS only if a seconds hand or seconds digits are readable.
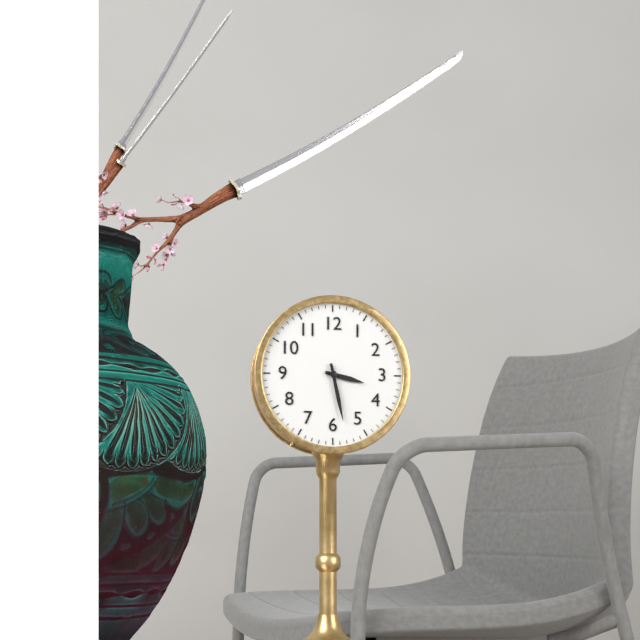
3:28
